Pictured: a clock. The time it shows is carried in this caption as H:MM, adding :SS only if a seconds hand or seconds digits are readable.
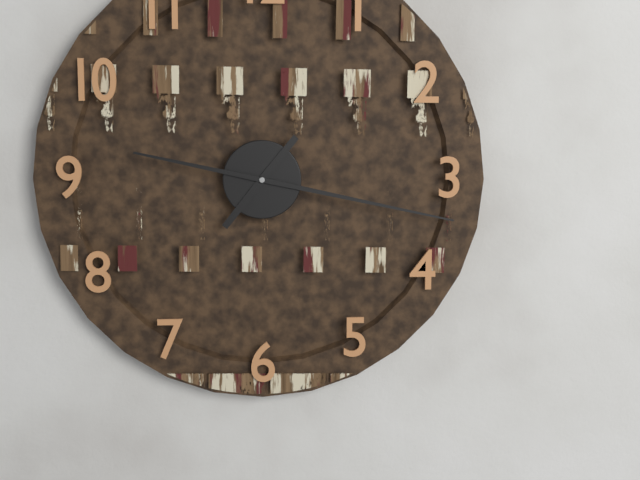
7:17
